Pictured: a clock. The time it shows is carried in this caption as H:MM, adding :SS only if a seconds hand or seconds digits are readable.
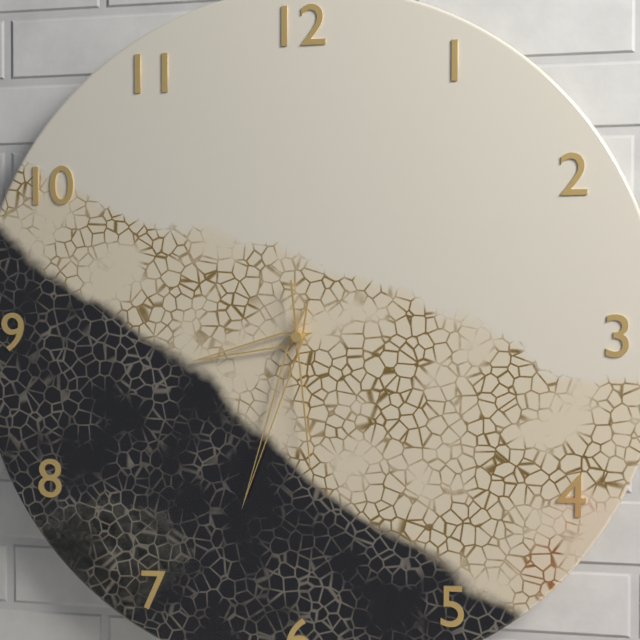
8:33:29
